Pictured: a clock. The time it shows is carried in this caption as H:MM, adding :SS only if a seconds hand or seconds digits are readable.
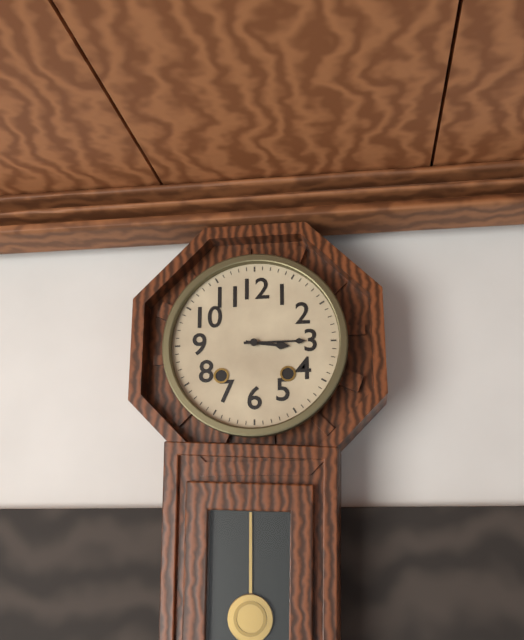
3:15
